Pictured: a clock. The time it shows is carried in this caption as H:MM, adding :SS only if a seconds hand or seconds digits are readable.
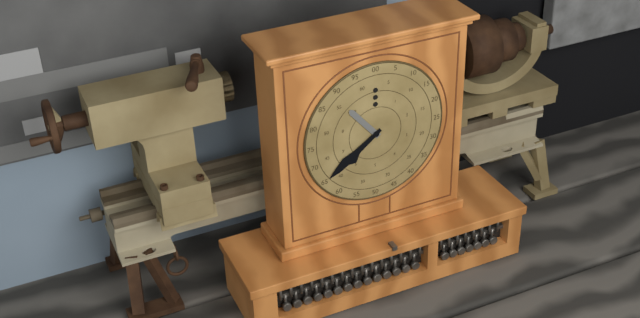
10:39
